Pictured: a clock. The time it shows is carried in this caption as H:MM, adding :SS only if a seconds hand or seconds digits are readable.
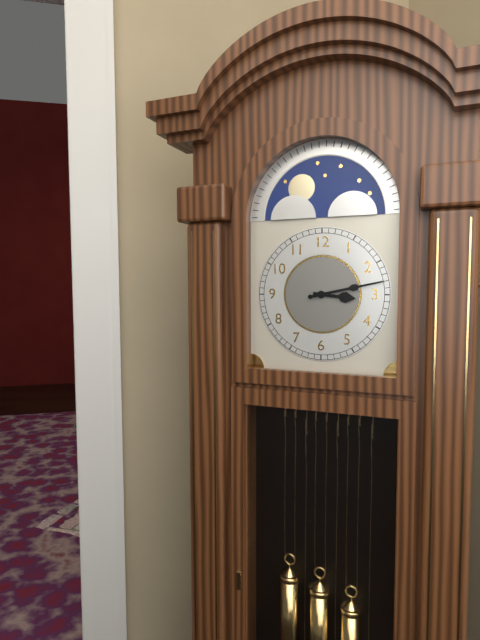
3:13
